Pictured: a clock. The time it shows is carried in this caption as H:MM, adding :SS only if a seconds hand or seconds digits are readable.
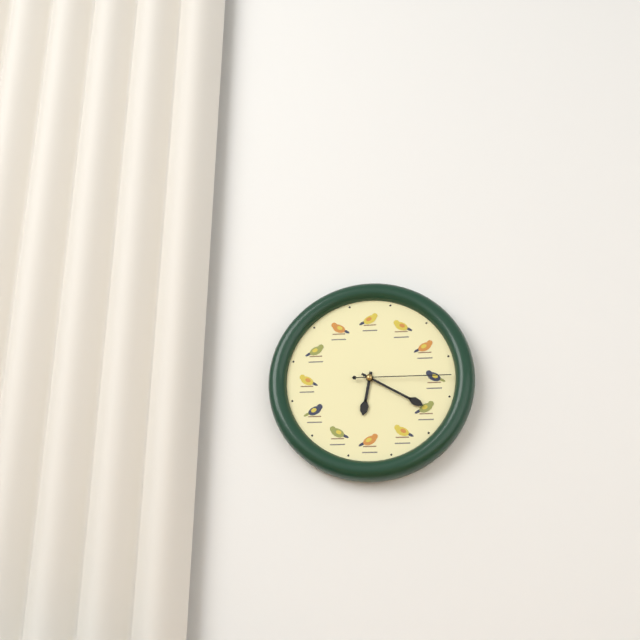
6:20:15
